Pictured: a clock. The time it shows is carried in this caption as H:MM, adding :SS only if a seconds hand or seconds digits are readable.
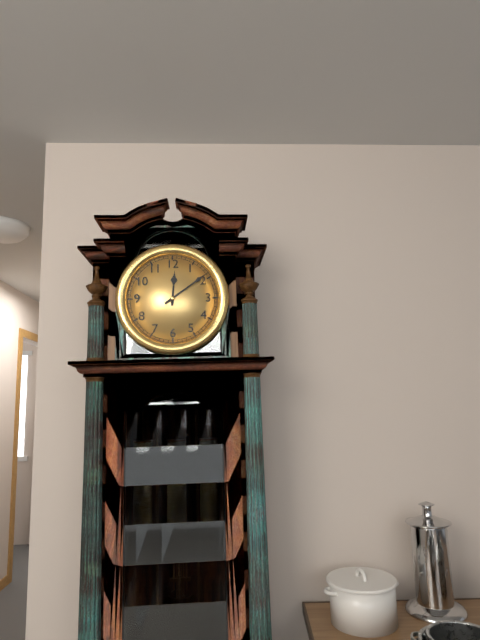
12:09
